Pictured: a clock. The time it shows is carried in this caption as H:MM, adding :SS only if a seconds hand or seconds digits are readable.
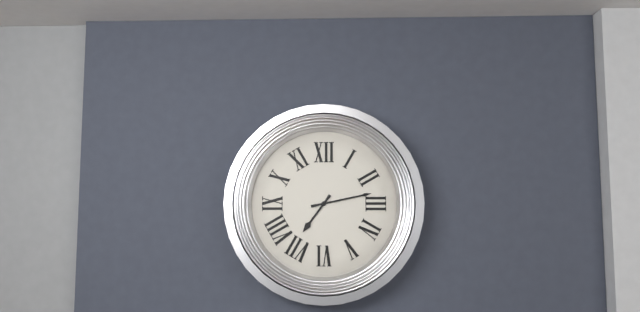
7:13
